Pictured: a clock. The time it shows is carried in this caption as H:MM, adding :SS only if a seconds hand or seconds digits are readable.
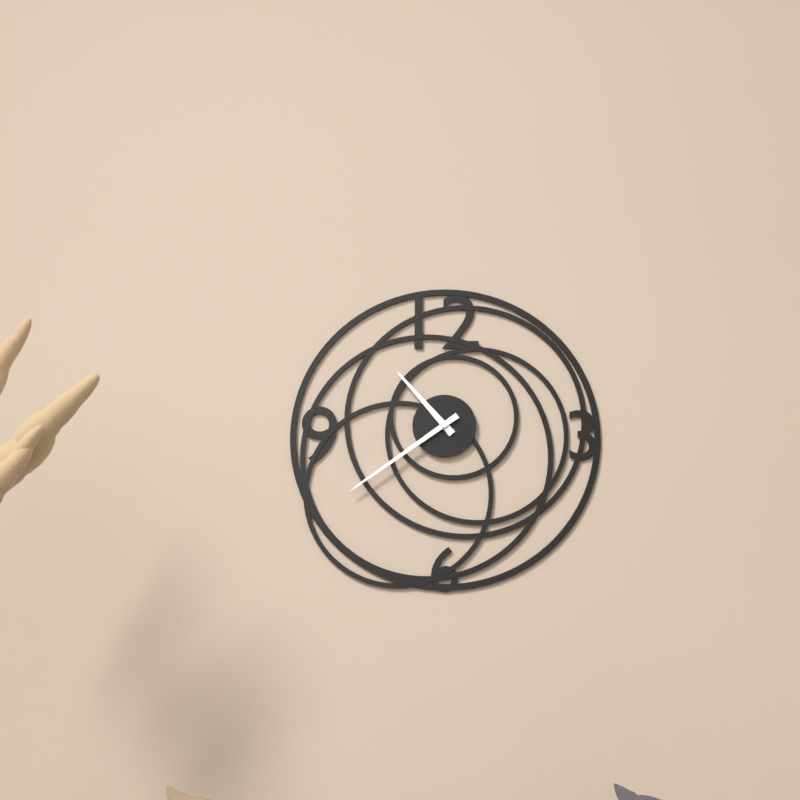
10:39
